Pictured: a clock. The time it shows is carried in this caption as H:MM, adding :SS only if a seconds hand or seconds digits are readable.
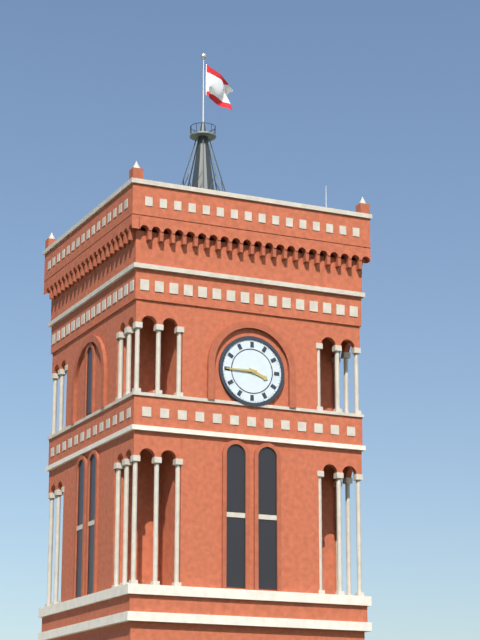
3:45
